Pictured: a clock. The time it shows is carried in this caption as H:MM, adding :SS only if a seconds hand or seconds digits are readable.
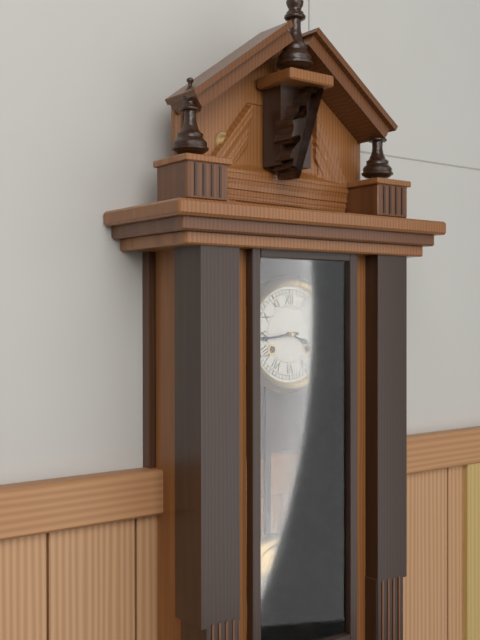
3:44
